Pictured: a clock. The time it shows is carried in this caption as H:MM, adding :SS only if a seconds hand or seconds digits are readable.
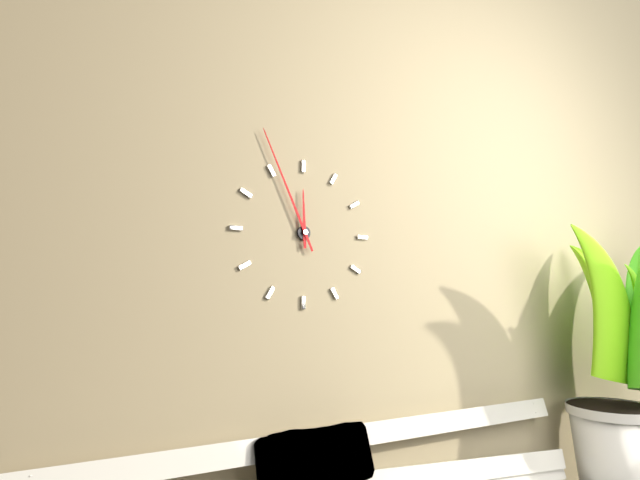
11:56
